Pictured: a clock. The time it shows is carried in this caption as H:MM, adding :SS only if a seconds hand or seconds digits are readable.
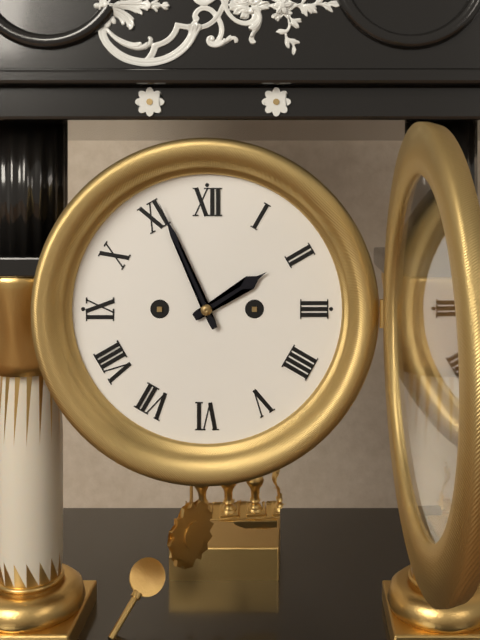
1:56
